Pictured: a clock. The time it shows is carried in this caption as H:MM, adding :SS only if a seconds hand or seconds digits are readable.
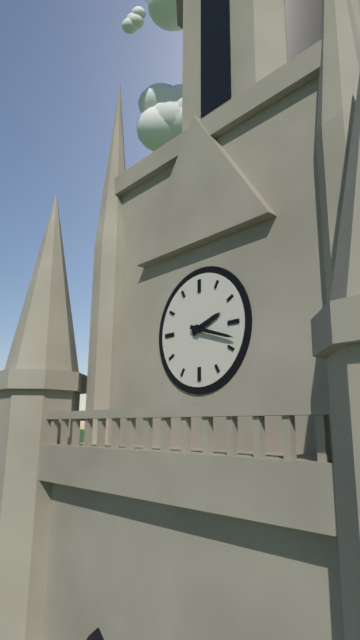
2:18
